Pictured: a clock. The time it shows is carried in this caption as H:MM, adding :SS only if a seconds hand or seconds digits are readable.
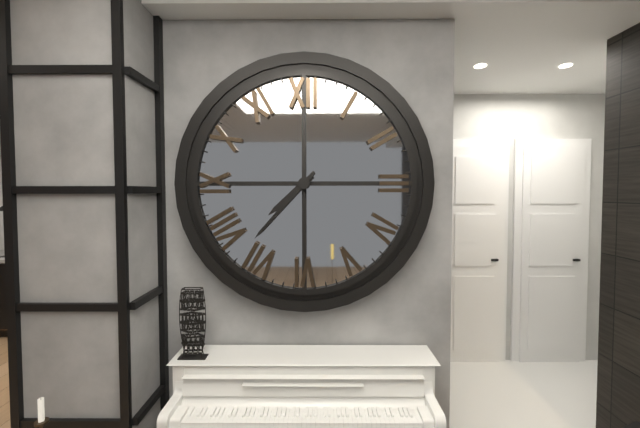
7:37
